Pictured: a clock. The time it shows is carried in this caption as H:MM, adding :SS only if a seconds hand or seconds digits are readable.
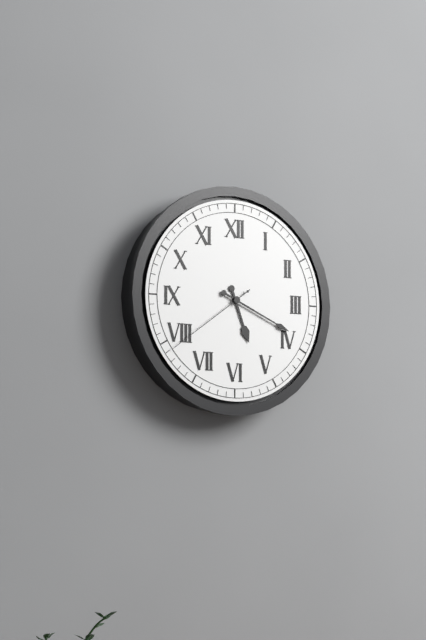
5:19:39
